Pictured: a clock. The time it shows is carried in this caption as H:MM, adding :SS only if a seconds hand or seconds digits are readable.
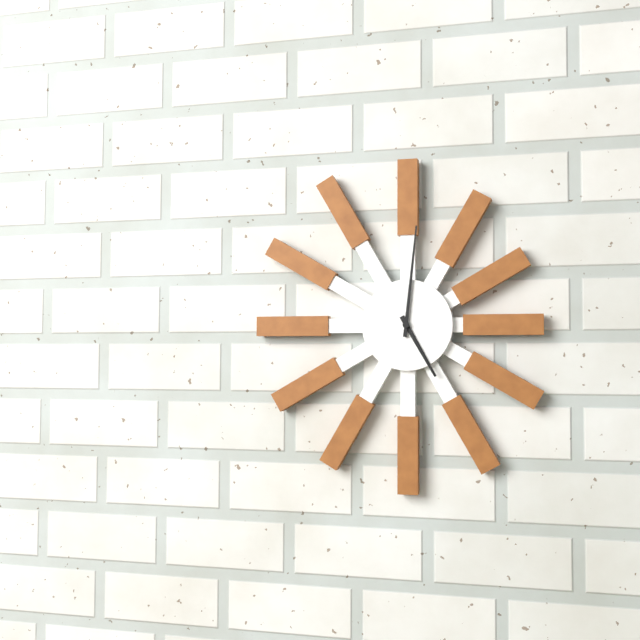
5:01
